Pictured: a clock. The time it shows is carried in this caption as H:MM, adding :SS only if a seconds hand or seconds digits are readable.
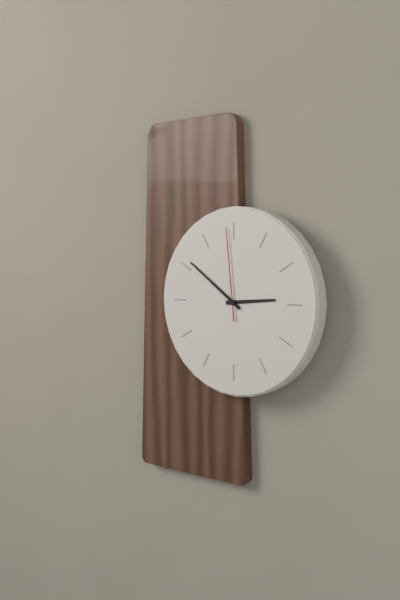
2:51:59
